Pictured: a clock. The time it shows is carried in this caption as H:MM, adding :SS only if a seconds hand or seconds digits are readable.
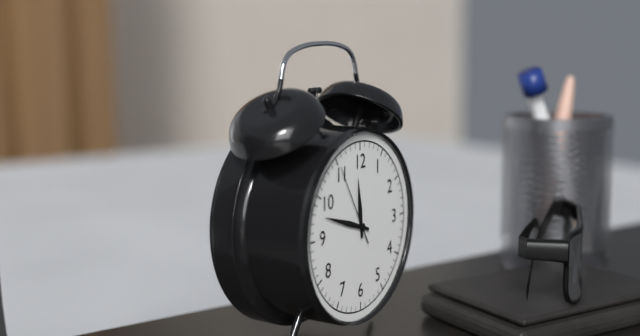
11:48:55
